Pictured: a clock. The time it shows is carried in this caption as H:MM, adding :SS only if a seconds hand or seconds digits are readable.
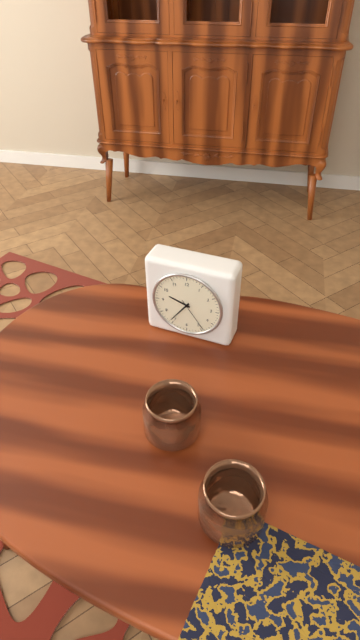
9:36
